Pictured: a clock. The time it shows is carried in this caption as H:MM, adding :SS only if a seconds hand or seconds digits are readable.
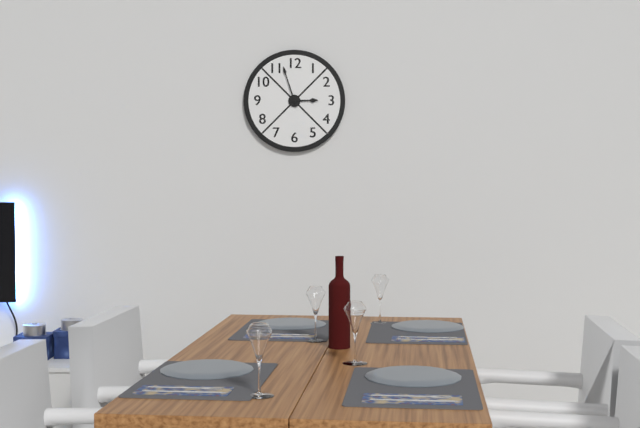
2:57
